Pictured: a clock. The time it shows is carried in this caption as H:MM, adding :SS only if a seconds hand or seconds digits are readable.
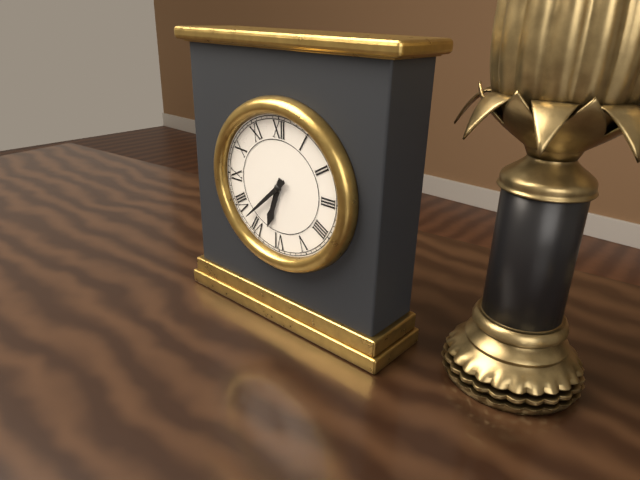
6:38
